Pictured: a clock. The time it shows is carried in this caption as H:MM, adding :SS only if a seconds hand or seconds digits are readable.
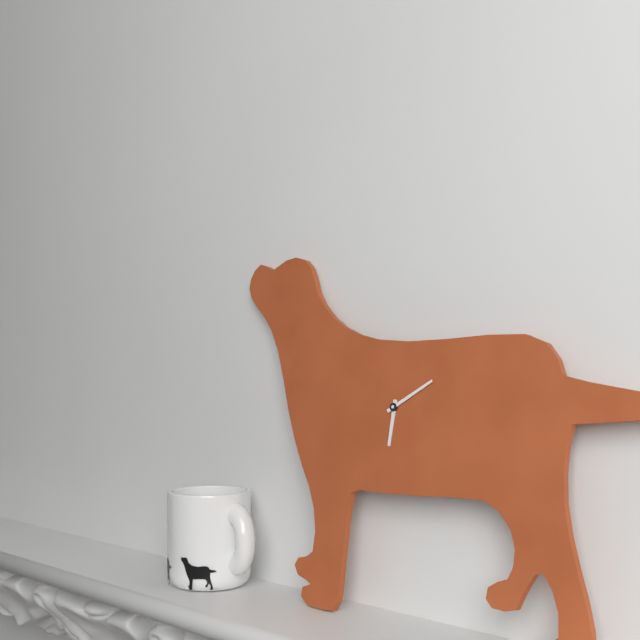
6:10
